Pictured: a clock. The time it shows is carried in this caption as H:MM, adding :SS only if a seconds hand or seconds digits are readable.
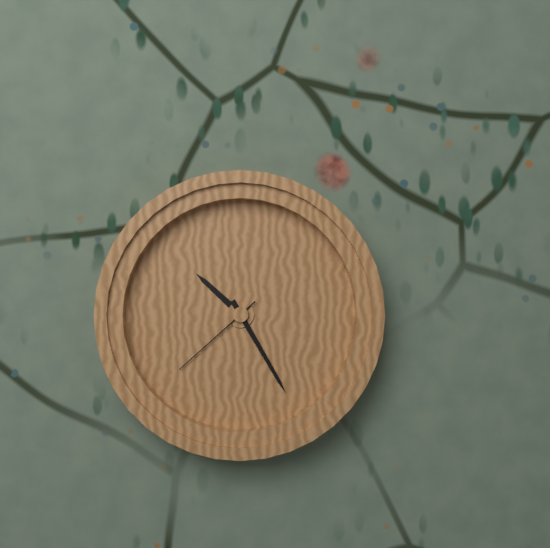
10:25:38
